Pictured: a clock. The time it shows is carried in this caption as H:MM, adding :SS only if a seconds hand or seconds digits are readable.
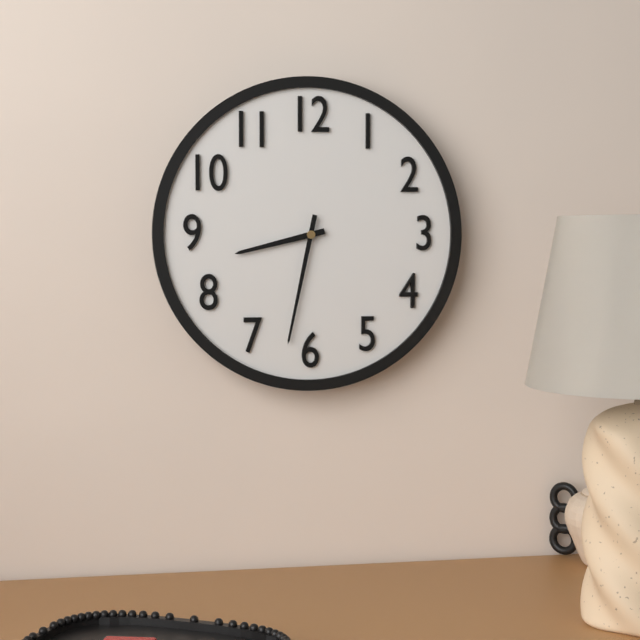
8:32
